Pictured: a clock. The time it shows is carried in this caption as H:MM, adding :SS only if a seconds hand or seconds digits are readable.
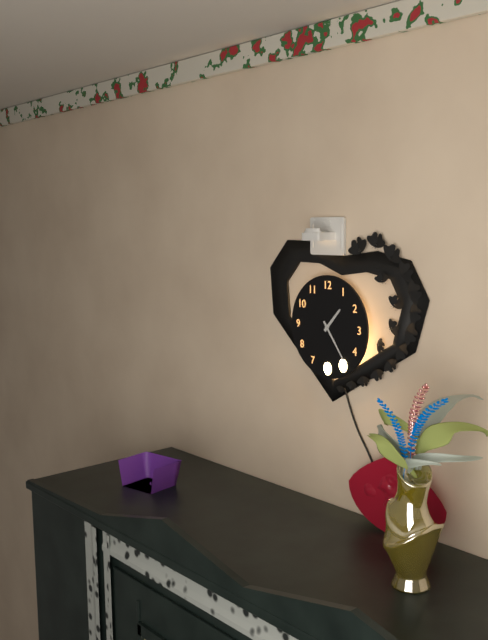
1:24
